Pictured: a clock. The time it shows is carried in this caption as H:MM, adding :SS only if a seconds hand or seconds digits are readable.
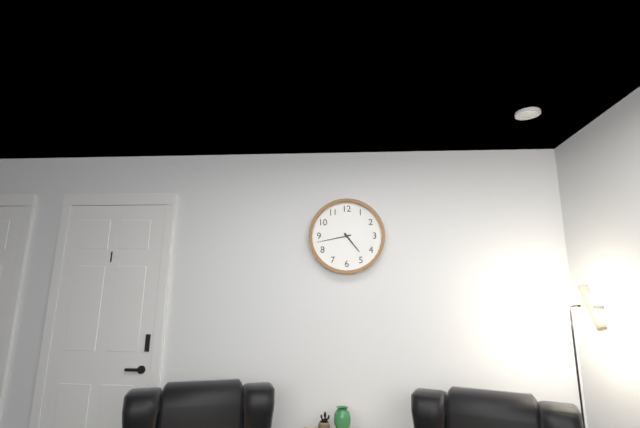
4:43
